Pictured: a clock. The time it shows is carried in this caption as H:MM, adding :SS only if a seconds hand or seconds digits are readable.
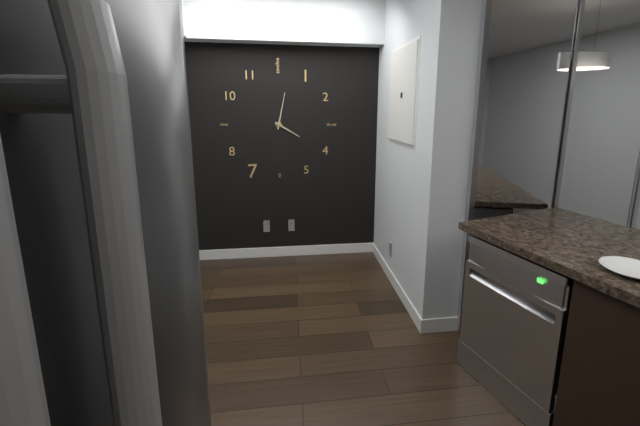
4:02
